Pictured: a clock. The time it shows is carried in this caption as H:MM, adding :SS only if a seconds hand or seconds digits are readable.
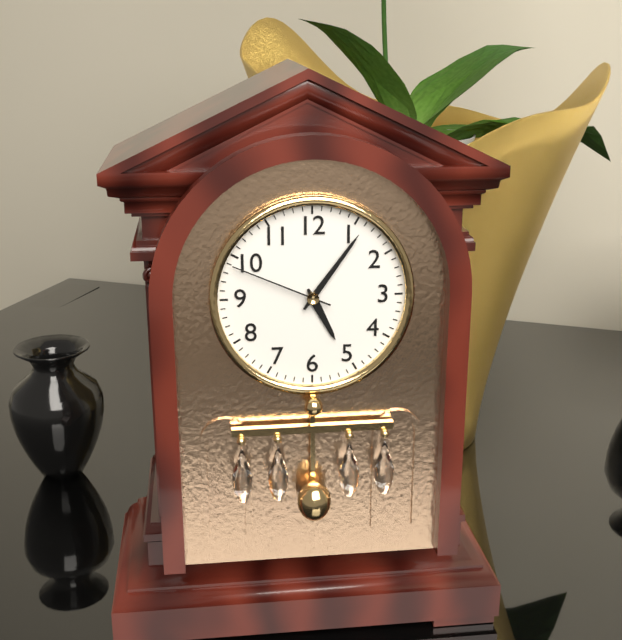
5:06:49
